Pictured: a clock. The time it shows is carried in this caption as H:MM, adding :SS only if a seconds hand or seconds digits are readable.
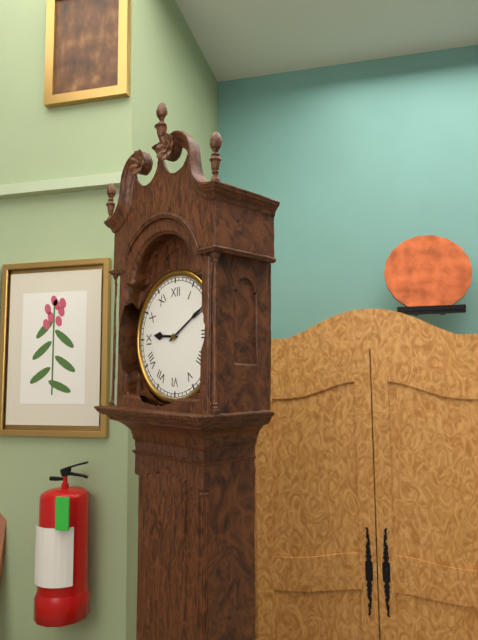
9:10
